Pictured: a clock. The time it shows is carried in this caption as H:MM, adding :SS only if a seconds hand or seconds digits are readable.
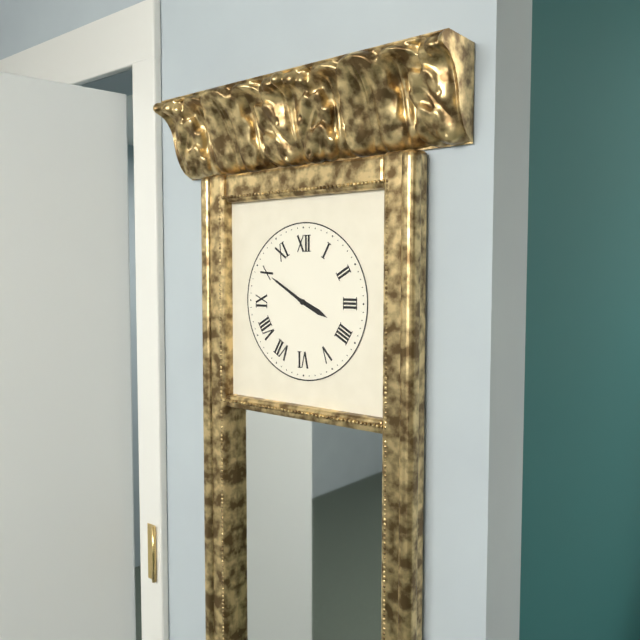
3:50
